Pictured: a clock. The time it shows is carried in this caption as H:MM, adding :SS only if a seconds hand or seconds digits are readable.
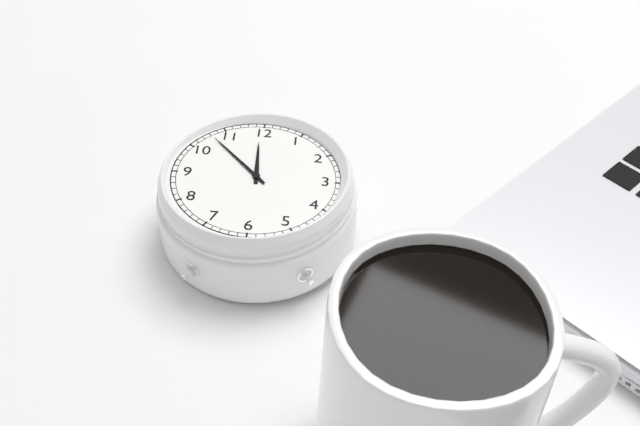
11:53
